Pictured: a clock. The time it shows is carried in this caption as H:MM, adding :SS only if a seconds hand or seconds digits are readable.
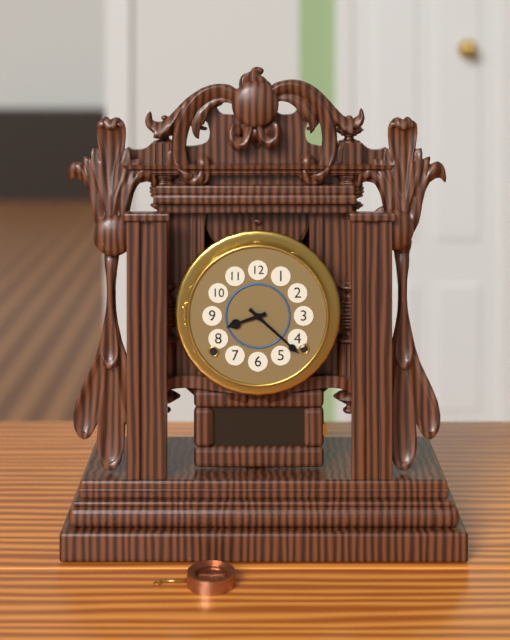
8:22
